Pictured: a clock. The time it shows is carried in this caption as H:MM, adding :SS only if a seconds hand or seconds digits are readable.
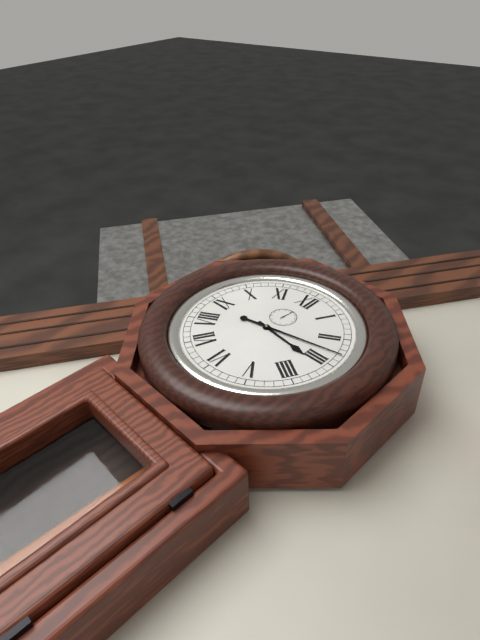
3:13
